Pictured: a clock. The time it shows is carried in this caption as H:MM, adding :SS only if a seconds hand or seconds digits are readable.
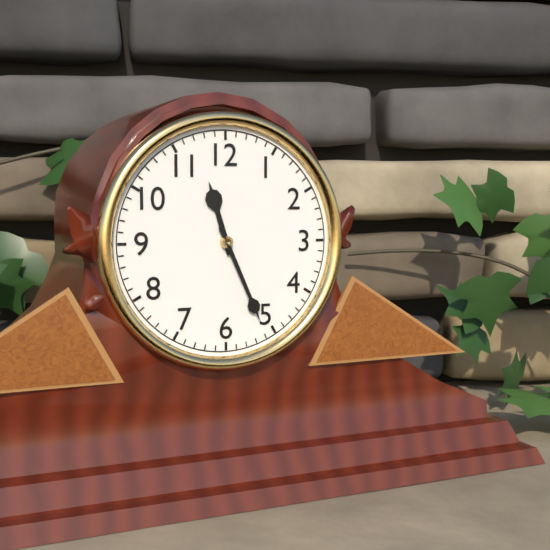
11:26
